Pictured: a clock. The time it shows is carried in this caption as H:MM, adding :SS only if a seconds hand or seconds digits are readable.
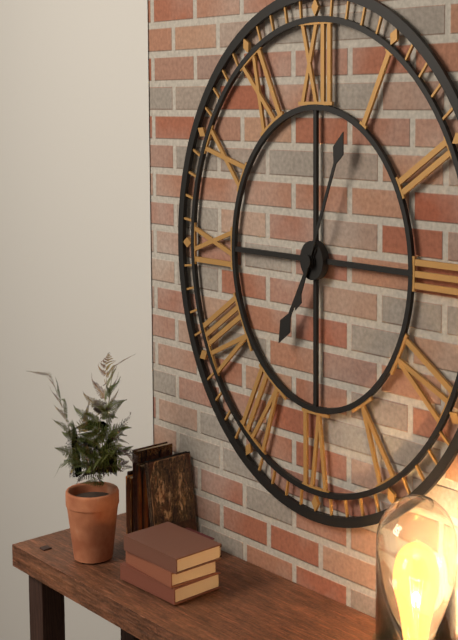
7:04
